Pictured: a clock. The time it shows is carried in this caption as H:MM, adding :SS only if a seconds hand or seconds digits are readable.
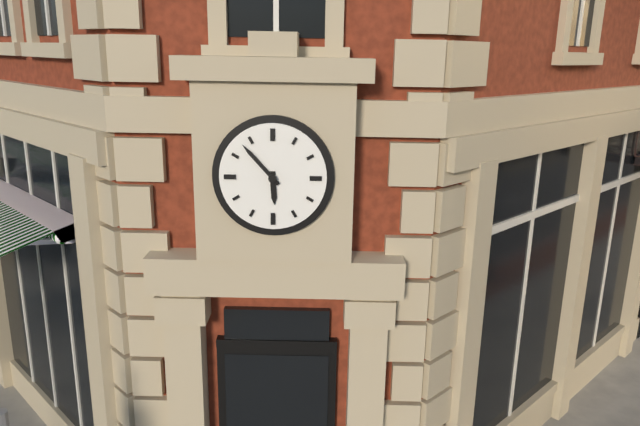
5:53
